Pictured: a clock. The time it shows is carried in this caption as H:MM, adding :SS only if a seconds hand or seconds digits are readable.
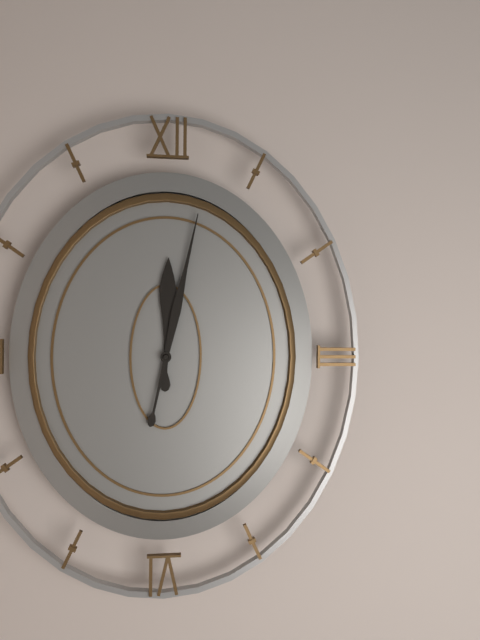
12:02
